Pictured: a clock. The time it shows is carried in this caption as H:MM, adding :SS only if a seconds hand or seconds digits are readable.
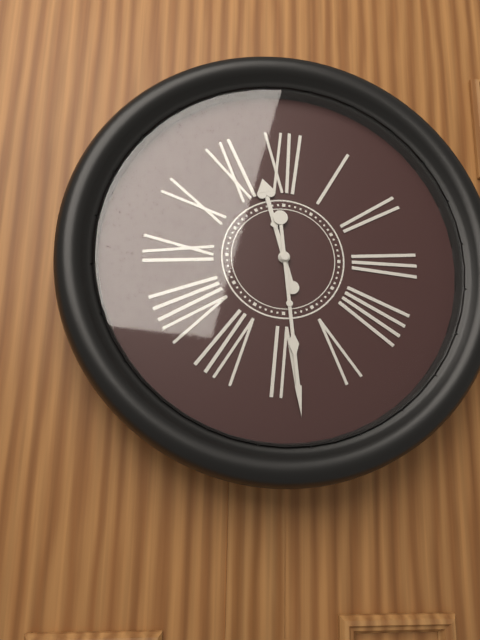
11:29
